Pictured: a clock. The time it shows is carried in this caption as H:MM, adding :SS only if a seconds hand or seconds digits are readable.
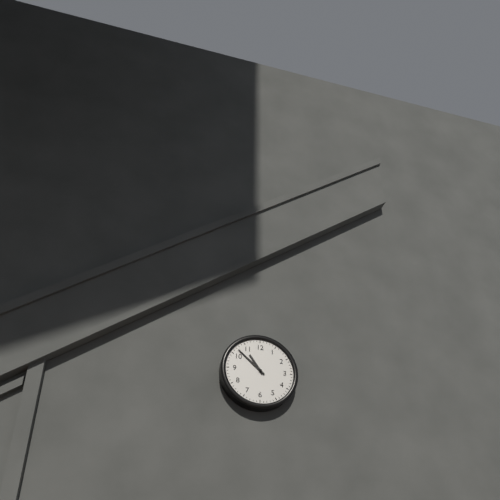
10:52
